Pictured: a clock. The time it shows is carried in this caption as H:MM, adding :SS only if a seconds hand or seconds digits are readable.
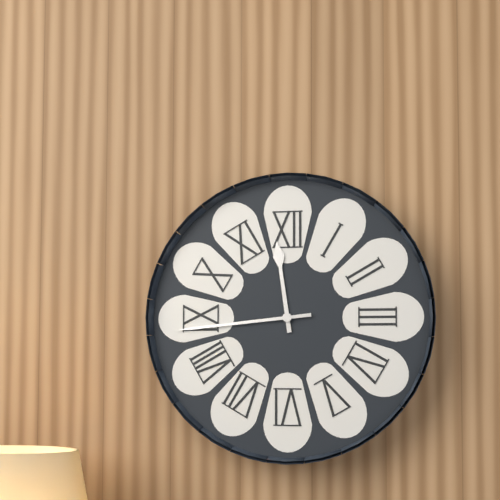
11:44
